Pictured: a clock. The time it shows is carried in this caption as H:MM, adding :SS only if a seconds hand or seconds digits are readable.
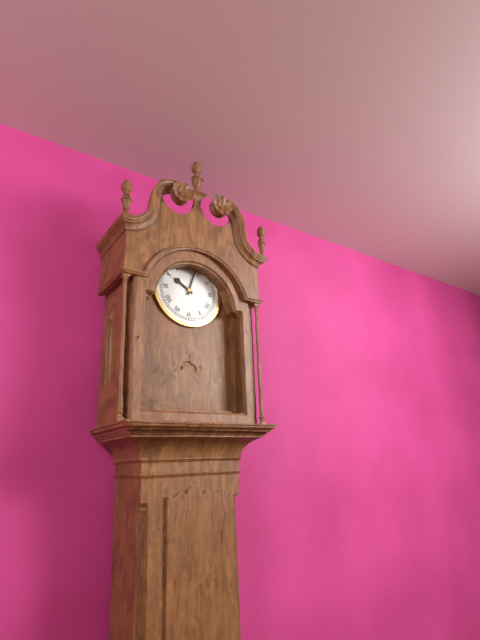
10:03
